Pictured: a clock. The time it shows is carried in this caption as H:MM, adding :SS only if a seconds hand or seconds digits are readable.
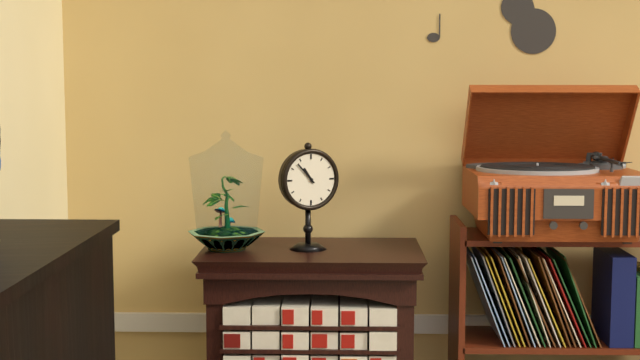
10:53
